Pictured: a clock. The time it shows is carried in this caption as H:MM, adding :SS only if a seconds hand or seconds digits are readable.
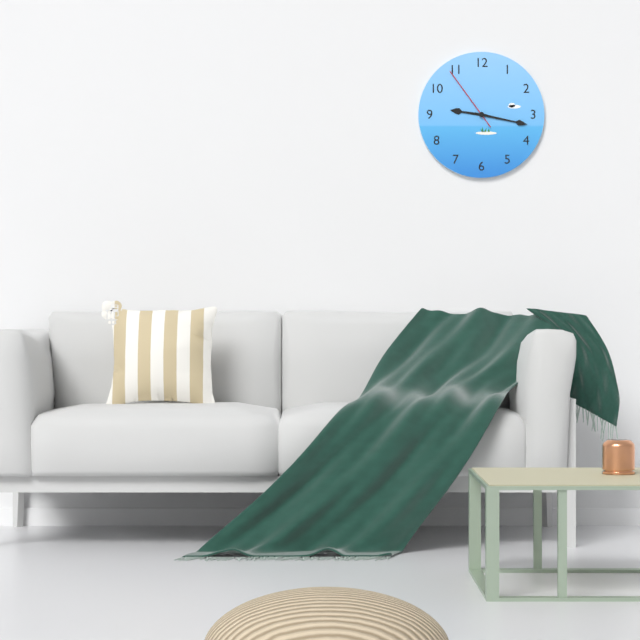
9:17:54
